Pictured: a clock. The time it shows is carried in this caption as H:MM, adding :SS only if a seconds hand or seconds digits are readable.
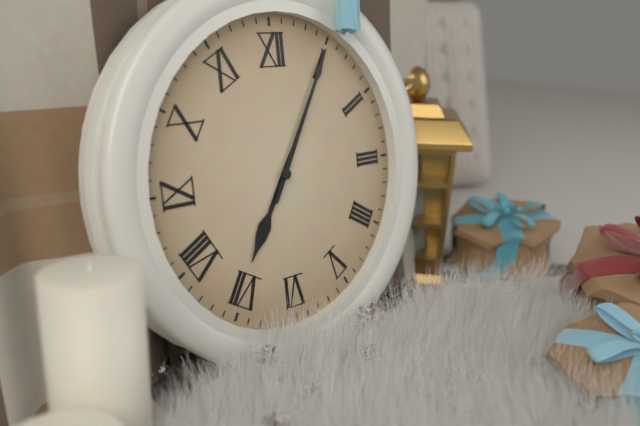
7:05
